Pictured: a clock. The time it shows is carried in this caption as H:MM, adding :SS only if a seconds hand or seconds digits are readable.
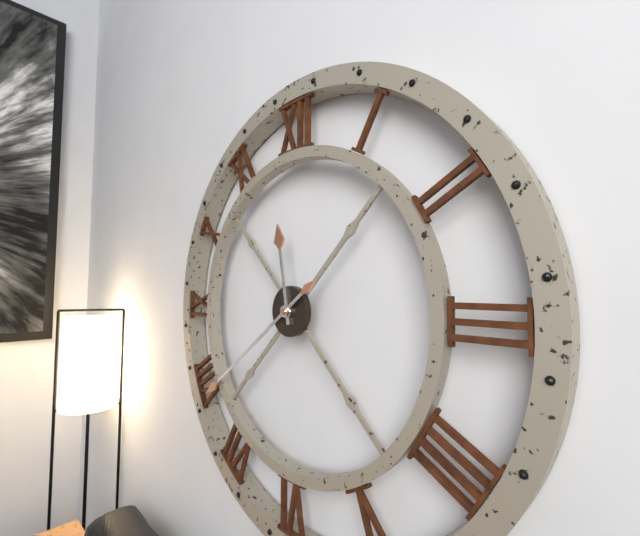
11:39
